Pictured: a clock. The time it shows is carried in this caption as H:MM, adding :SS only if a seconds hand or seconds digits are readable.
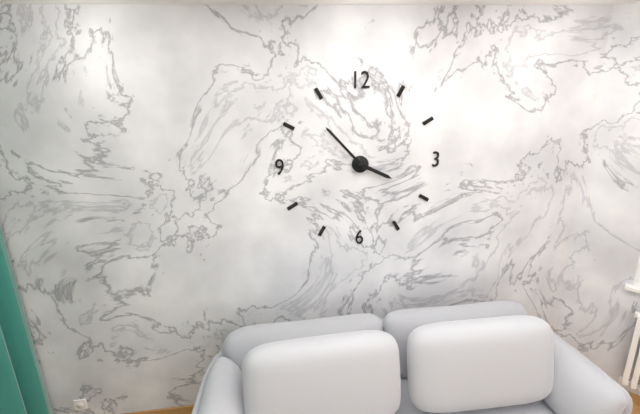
3:53
